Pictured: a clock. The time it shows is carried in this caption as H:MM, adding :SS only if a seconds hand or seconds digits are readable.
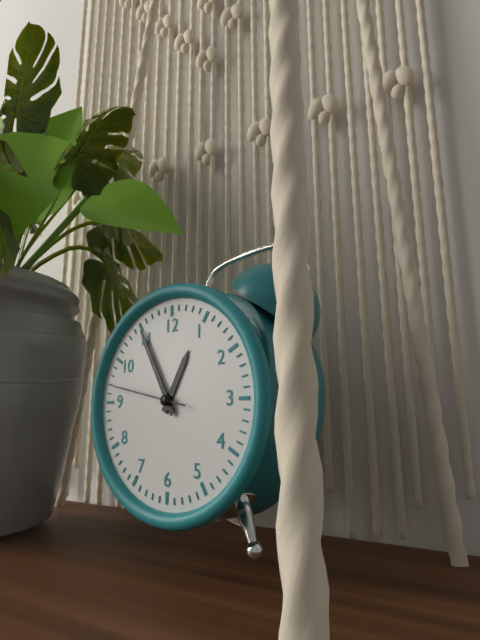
12:55:47
